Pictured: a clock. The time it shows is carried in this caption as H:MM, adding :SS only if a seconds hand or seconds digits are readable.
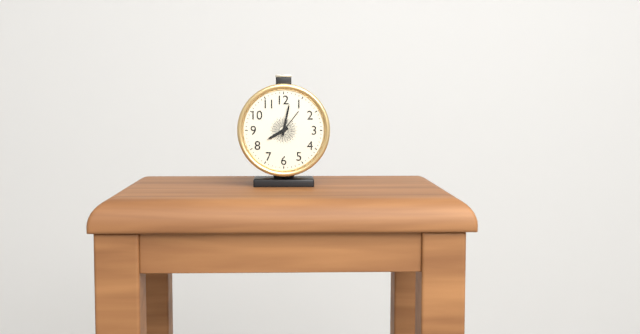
8:02
